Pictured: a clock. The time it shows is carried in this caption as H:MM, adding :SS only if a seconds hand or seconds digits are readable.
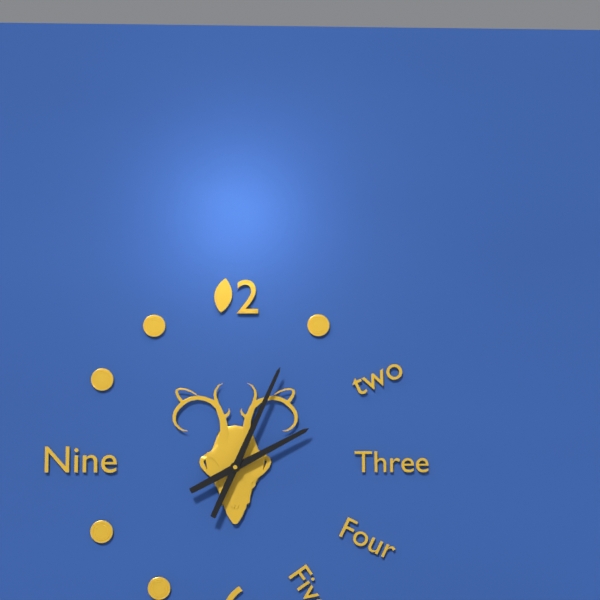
2:04
